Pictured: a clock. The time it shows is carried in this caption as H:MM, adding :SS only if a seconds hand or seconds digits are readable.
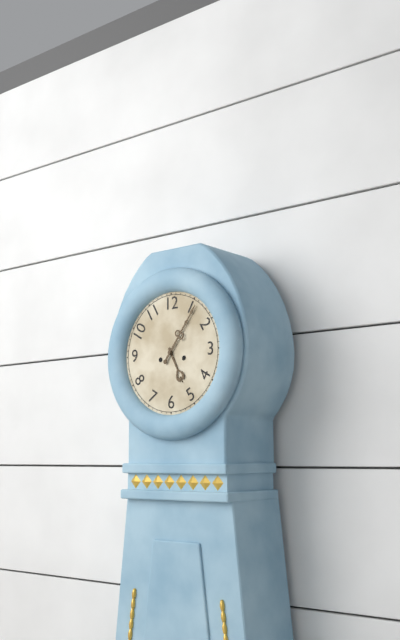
5:06
